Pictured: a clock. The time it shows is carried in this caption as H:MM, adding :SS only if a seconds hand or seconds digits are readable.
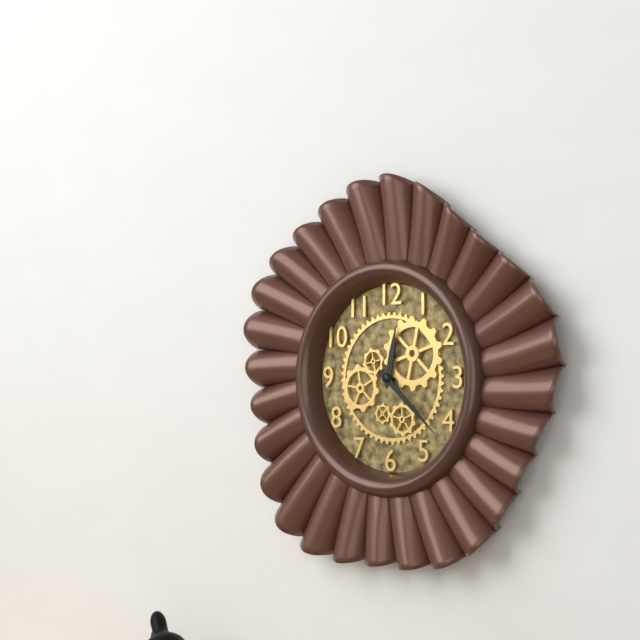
12:22
